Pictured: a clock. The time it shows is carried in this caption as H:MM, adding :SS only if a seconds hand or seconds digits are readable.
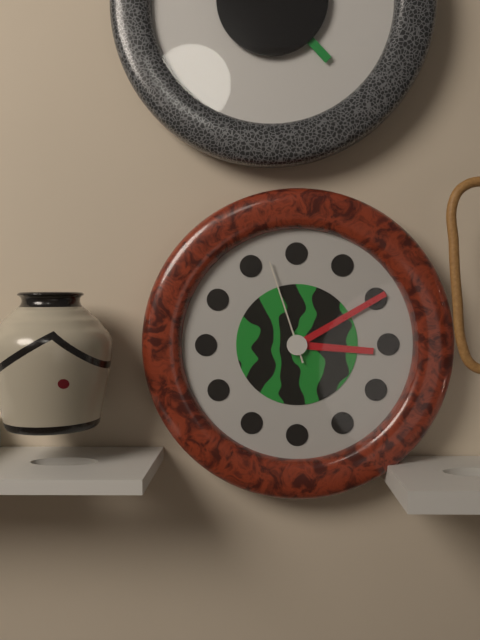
3:10:57
